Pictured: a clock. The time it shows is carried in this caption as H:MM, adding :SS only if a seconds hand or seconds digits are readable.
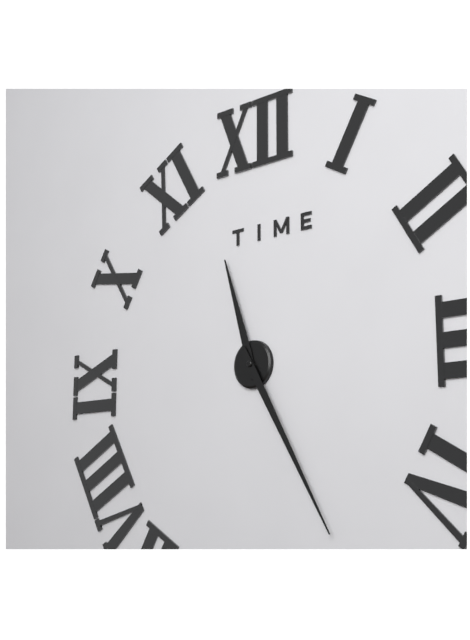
11:25
